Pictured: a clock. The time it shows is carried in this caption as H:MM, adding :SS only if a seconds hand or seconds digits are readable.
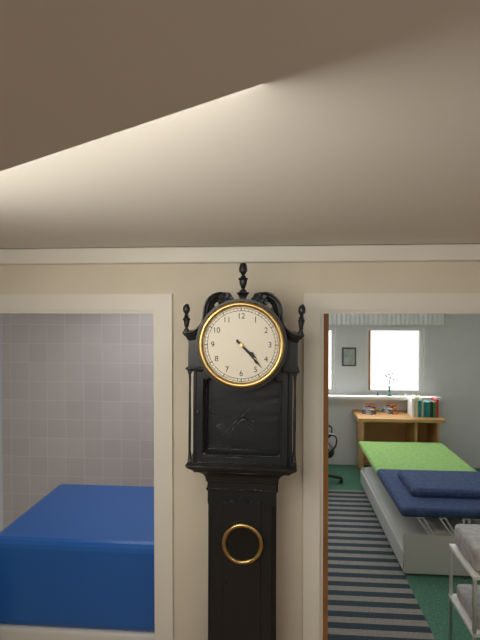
4:23
